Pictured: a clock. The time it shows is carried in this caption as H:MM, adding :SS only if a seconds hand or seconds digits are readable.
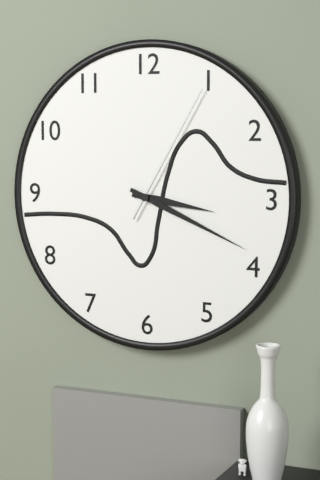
3:19:05
